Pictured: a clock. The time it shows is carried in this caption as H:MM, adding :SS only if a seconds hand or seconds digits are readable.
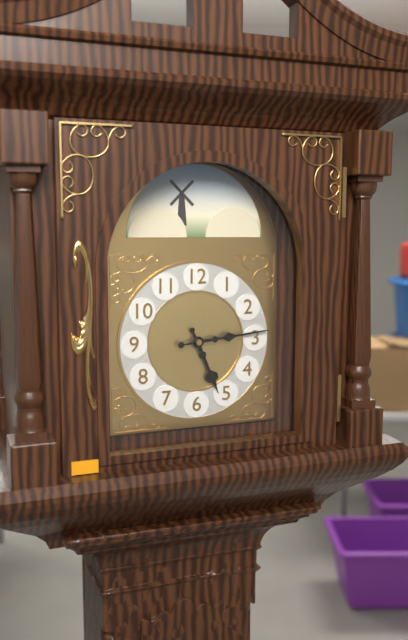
5:14
